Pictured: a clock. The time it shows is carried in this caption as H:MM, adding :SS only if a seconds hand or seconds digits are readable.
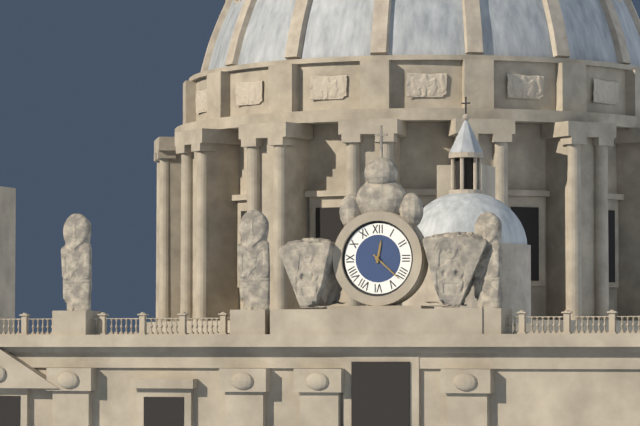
12:22
